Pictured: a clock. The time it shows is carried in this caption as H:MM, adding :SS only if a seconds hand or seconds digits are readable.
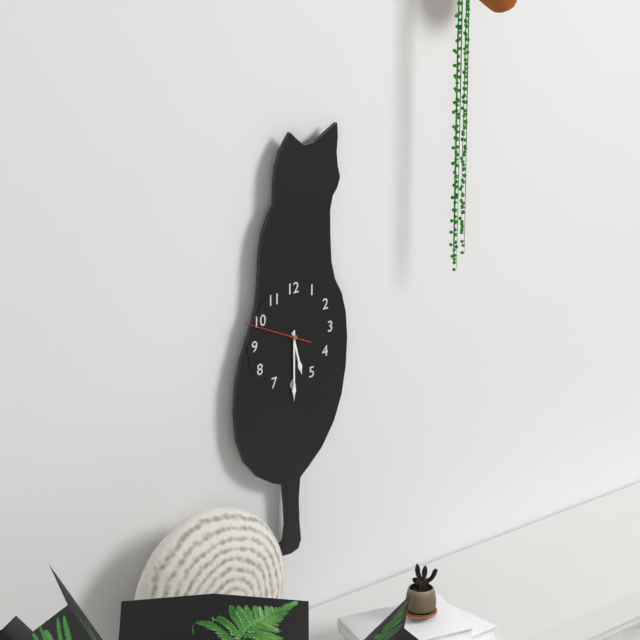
5:30:49
